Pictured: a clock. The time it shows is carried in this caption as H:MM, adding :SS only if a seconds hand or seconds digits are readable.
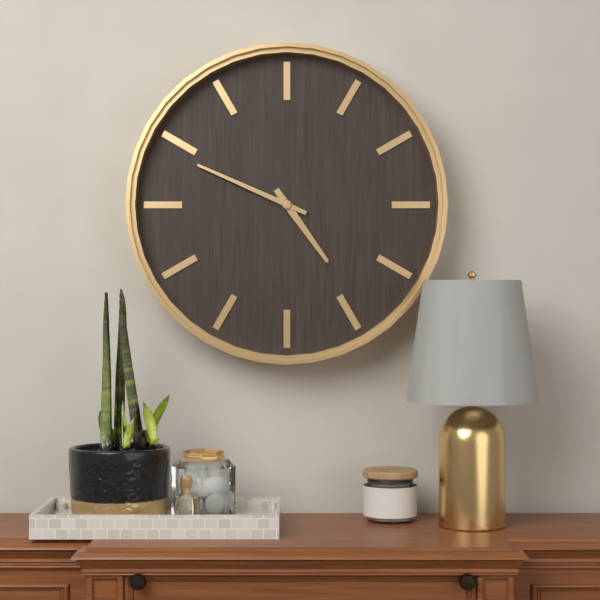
4:49
